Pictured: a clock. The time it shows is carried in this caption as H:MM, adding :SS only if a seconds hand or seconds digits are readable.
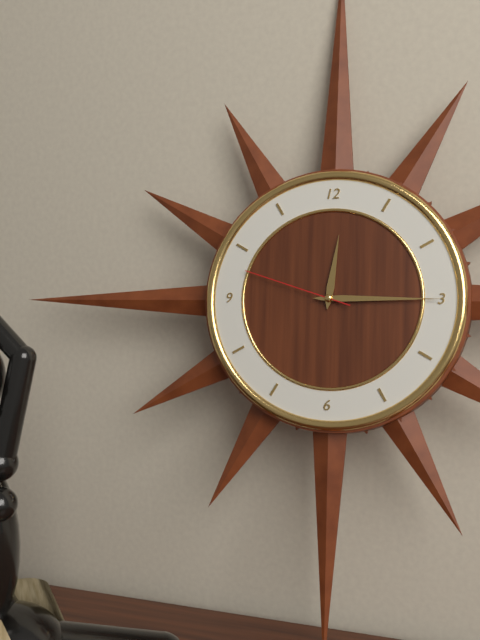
12:15:48
